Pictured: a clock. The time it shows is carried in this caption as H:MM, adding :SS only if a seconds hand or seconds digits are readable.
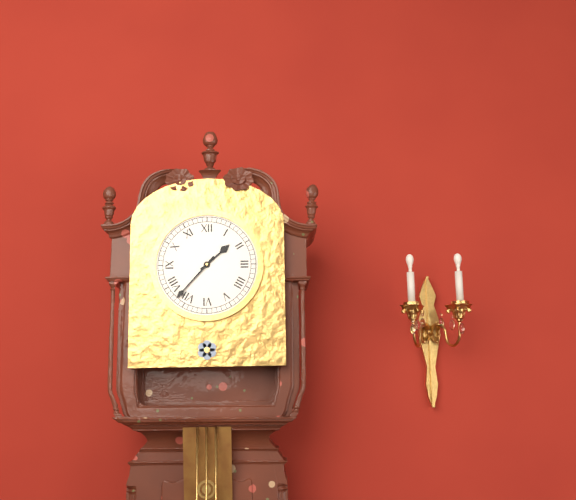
1:37
